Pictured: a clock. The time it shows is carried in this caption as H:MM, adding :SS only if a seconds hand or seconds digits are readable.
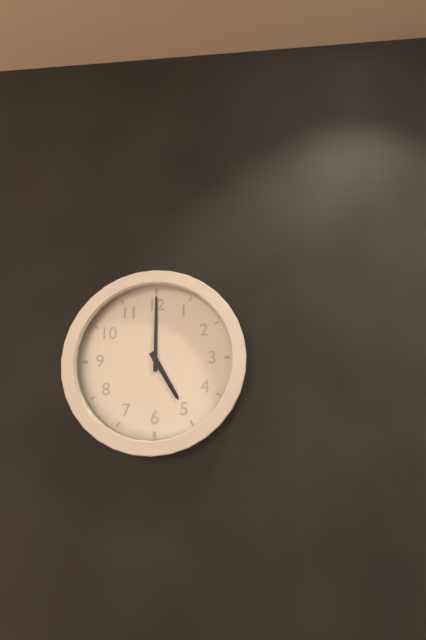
5:00
